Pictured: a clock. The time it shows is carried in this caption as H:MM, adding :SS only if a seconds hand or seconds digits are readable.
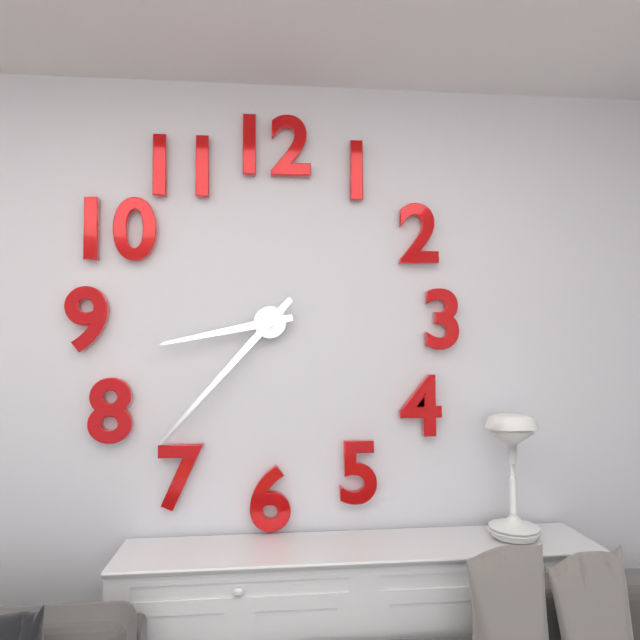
8:37
